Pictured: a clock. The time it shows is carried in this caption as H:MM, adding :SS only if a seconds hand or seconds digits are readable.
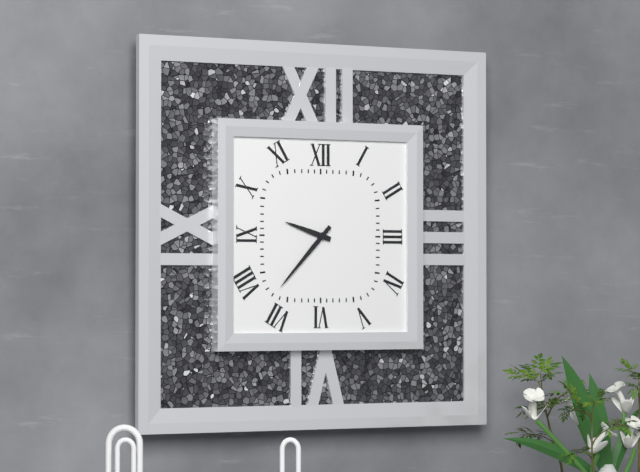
9:37
